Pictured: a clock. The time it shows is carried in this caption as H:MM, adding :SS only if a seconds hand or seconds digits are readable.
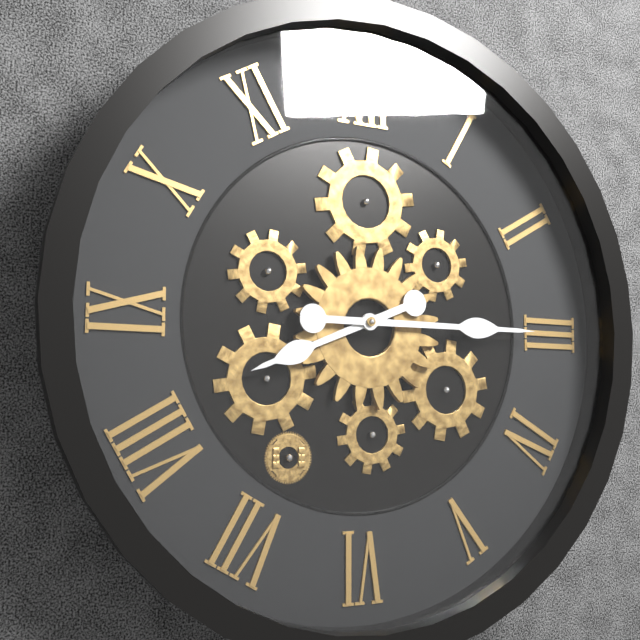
8:15
